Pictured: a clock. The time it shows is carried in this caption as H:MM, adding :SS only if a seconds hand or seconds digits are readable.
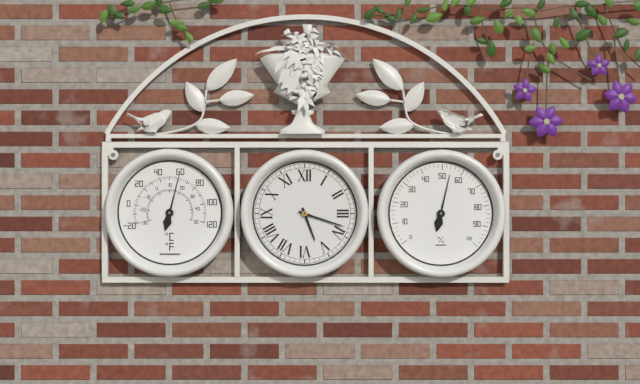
5:18
